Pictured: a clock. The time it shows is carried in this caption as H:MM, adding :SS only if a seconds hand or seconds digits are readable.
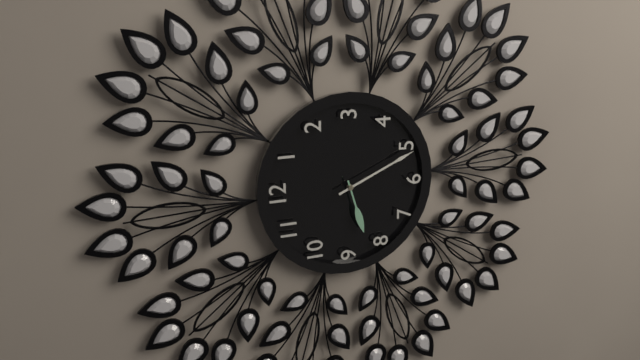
8:26
